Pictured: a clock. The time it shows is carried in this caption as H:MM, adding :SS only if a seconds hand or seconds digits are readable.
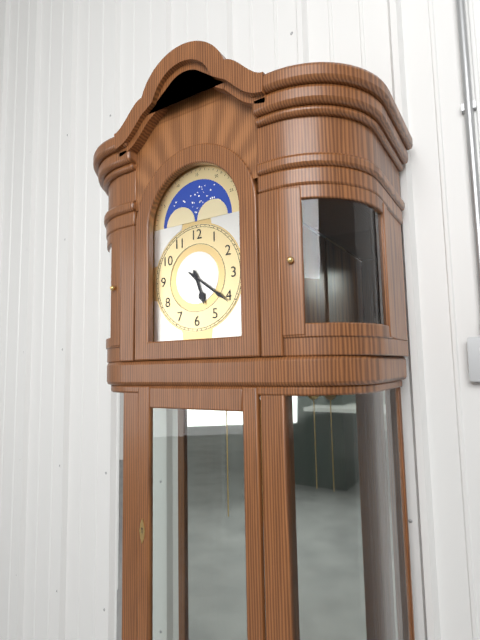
5:21
